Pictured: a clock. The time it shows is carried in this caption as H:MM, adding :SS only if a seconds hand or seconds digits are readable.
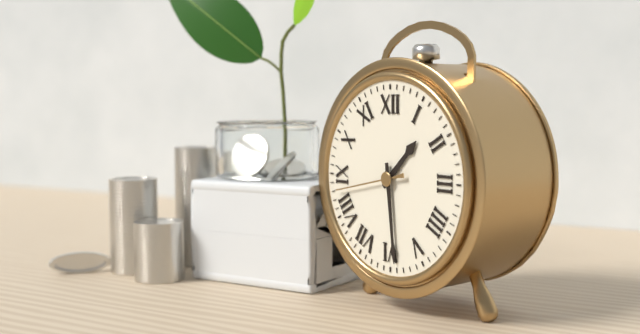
1:29:43
